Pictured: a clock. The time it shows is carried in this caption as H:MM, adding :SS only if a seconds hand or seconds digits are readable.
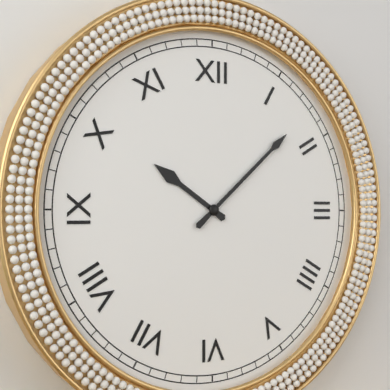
10:08
